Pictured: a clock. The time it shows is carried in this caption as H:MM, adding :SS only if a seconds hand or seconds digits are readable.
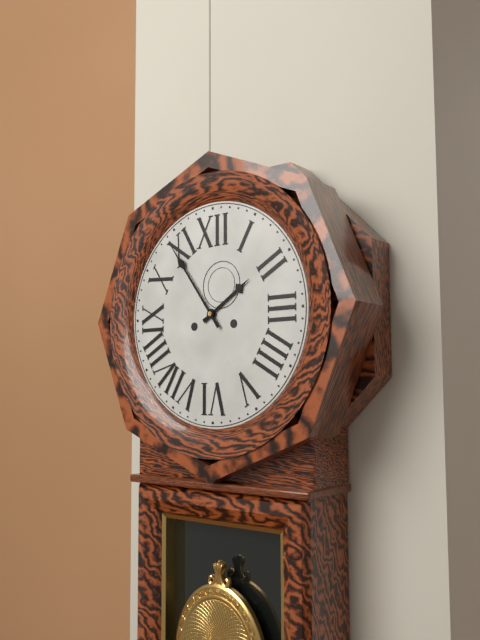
1:54
